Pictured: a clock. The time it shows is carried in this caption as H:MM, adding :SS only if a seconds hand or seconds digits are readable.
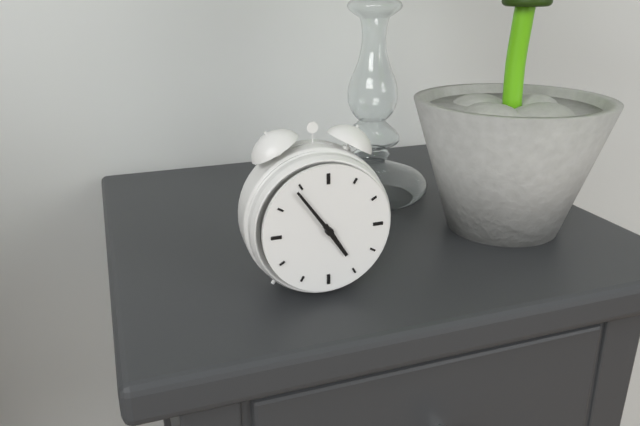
4:54
